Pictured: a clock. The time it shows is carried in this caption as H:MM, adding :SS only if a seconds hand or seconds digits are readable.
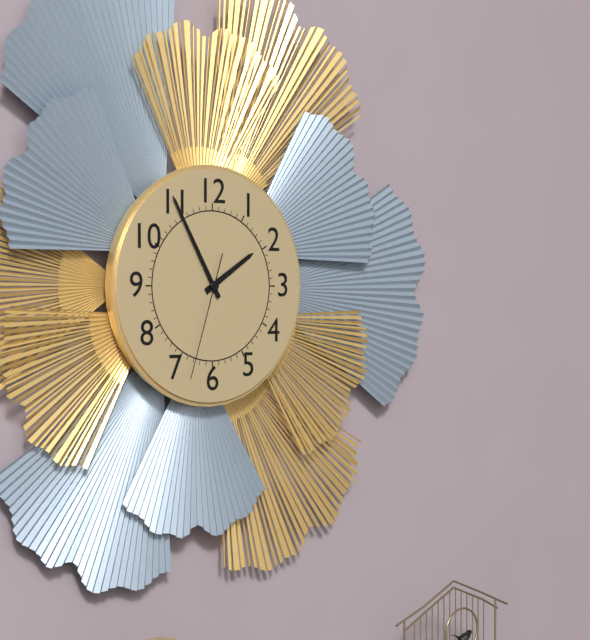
1:55:33
